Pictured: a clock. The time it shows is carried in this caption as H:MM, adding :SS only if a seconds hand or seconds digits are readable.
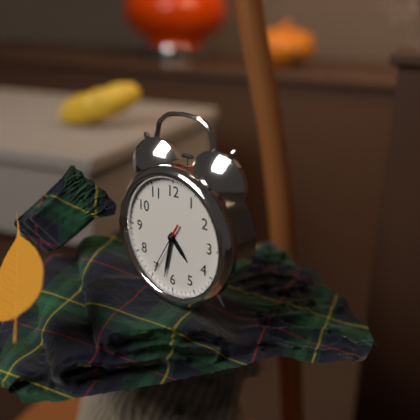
4:32
